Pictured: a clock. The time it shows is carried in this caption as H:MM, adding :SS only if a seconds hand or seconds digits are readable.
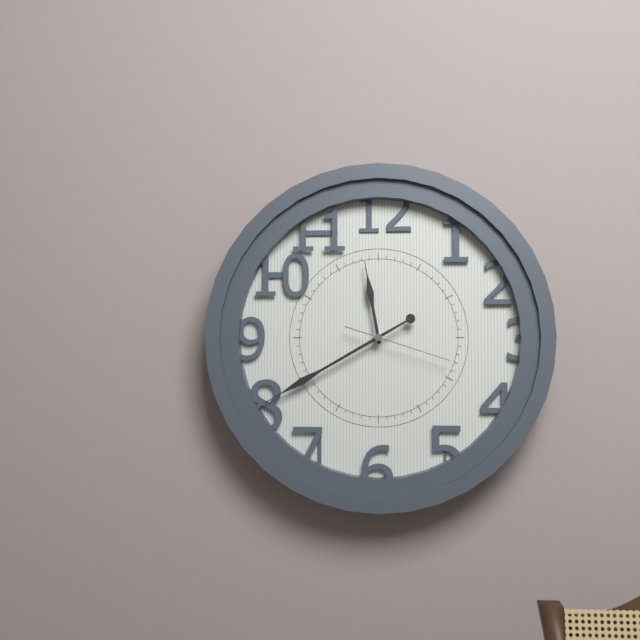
11:40:18
